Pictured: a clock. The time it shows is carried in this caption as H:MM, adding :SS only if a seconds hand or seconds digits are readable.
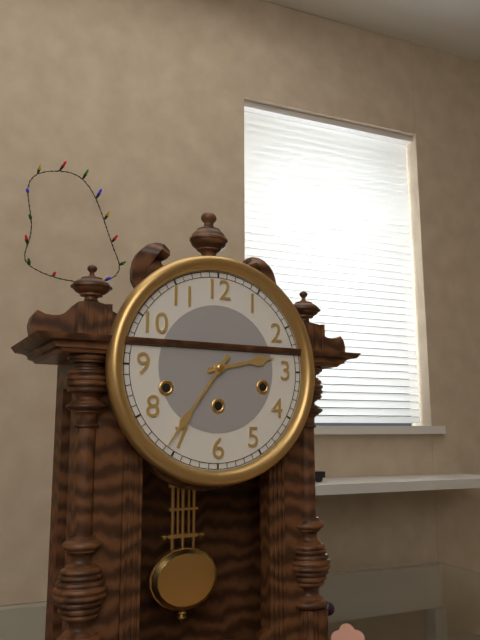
2:36
